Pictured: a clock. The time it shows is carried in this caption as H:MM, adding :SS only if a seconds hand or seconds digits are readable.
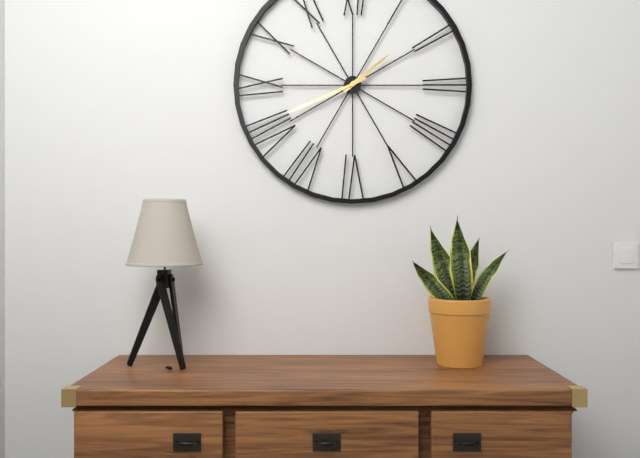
1:41
